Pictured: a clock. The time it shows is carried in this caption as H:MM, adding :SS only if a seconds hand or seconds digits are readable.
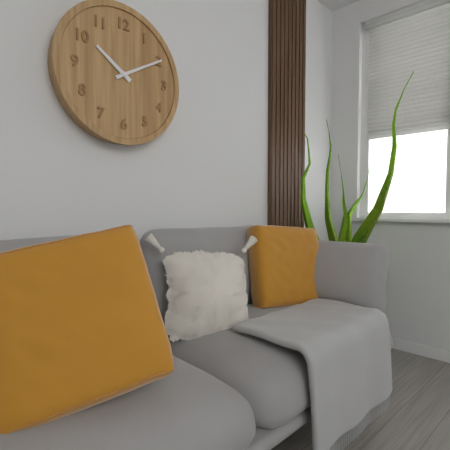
10:10
